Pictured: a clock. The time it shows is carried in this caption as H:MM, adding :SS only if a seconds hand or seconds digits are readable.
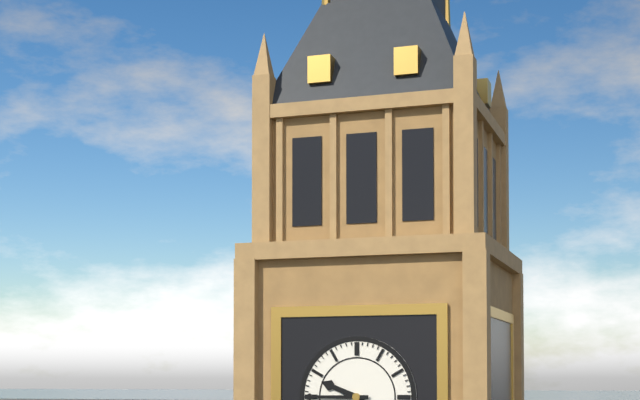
9:45
